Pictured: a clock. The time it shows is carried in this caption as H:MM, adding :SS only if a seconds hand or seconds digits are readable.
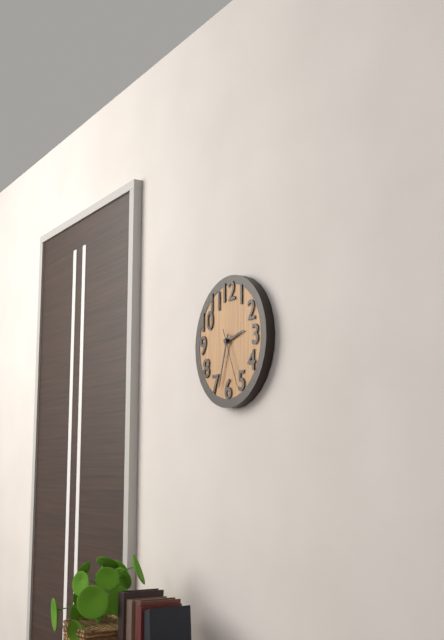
2:33:26
